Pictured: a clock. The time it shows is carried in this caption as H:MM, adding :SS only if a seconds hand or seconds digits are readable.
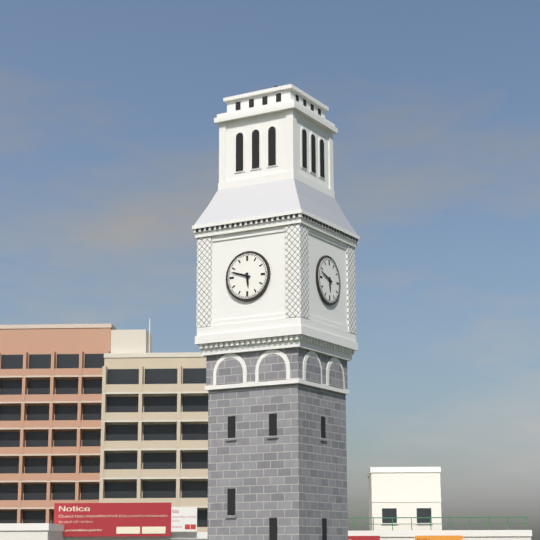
5:48
